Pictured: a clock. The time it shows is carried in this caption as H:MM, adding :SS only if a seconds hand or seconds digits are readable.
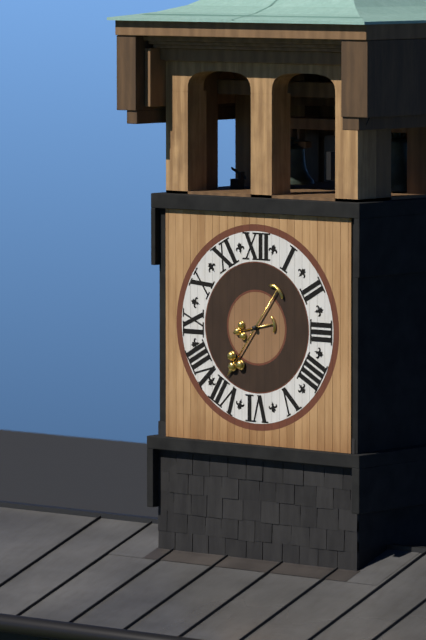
8:36
